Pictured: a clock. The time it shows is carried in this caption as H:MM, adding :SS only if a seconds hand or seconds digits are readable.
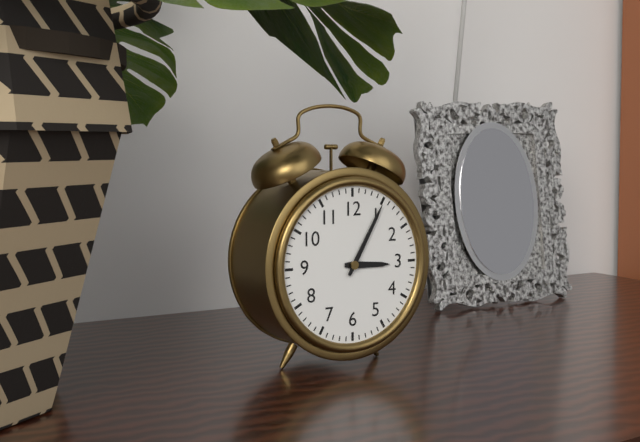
3:05
